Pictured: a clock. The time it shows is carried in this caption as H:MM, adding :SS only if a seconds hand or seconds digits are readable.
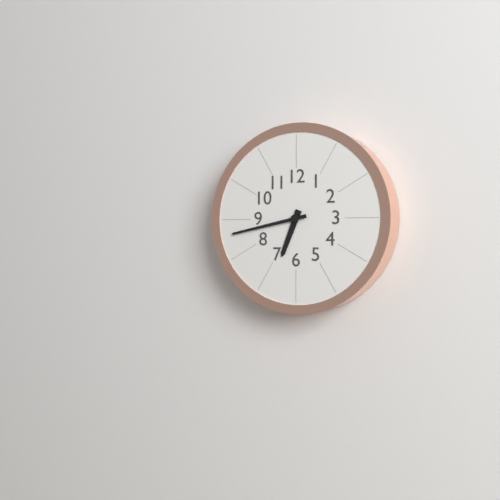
6:43
